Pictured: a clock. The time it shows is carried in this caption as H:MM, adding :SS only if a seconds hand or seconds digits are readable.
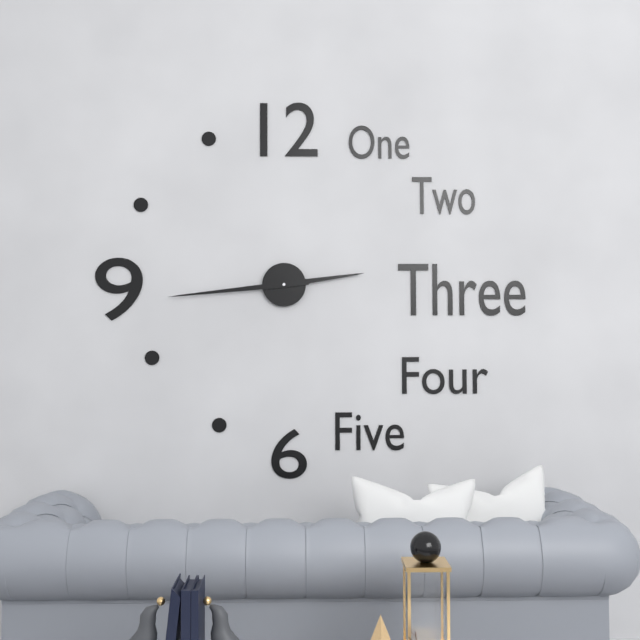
2:44
